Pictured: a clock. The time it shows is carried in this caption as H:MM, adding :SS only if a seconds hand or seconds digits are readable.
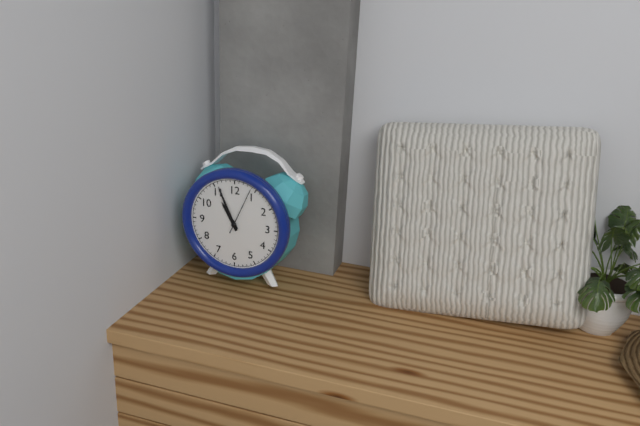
10:56
